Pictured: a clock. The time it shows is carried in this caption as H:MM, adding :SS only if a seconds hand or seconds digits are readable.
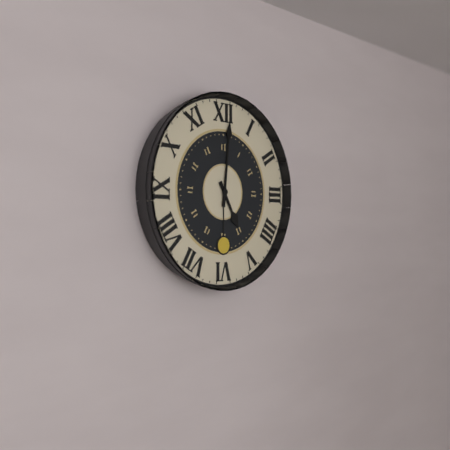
5:01
